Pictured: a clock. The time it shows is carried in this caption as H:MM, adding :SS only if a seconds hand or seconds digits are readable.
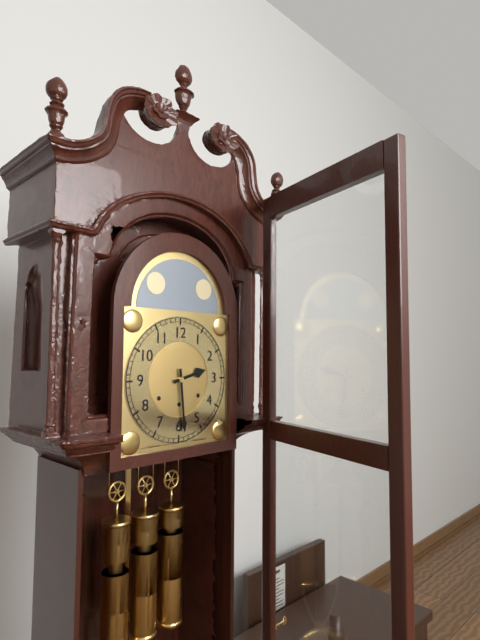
2:29
